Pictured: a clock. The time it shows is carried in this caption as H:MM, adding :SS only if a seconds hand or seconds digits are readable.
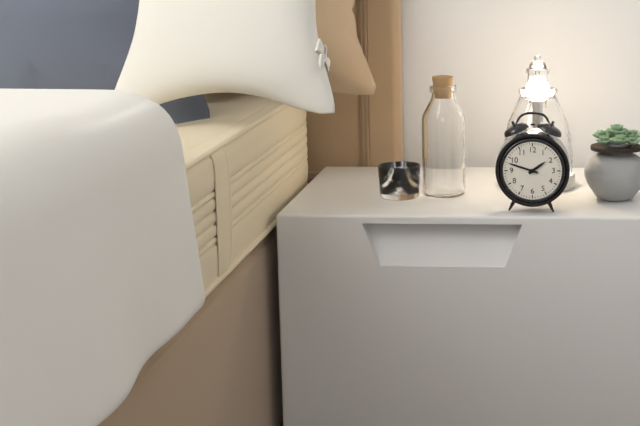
1:48
